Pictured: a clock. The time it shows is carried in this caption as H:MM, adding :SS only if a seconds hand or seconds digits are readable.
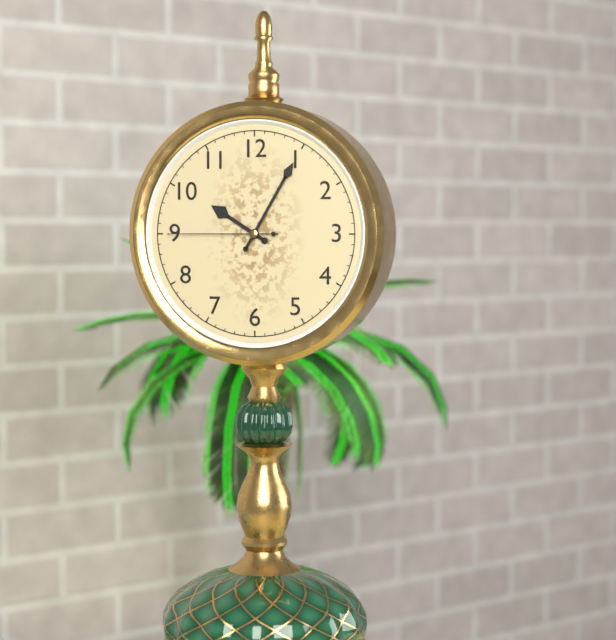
10:05:45
